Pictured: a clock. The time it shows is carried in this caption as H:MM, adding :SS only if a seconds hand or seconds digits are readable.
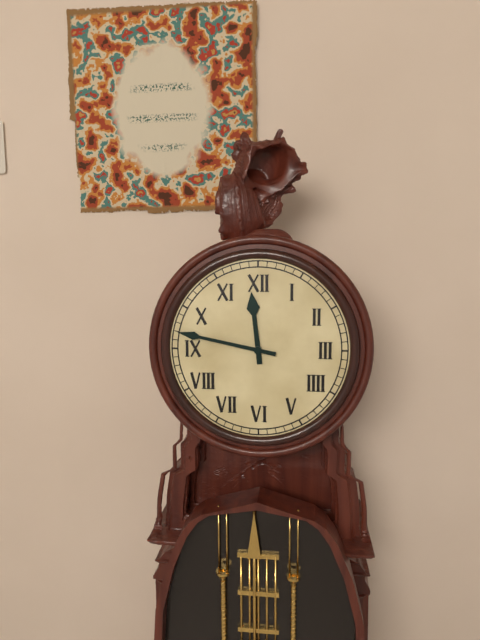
11:47
